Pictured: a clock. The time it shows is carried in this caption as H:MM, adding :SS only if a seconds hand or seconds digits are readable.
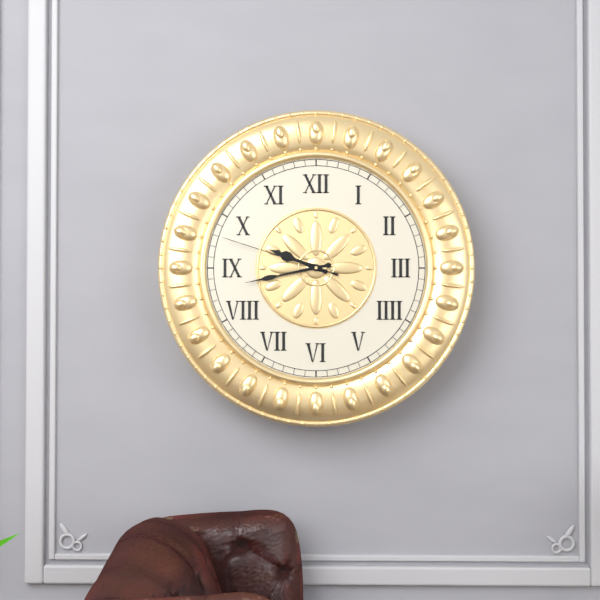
9:43:48
